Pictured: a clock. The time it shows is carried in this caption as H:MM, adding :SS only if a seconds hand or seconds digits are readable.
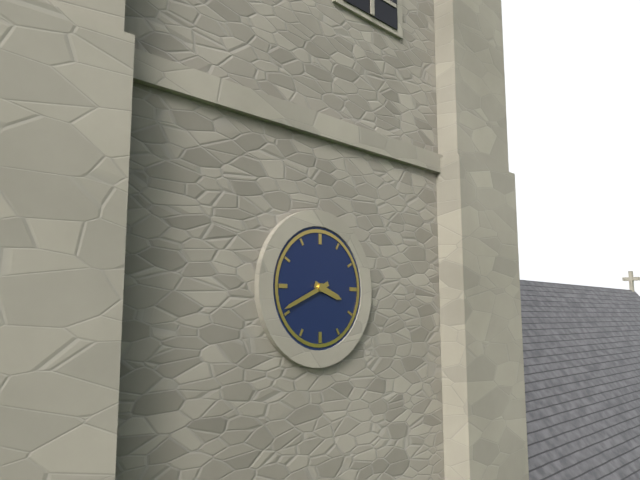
3:41
